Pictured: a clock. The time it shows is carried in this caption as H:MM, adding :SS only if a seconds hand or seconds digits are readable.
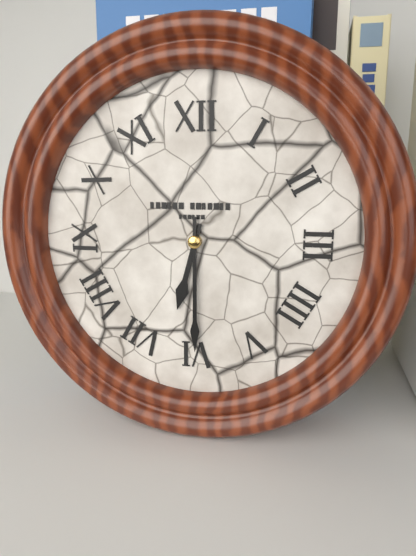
6:30
